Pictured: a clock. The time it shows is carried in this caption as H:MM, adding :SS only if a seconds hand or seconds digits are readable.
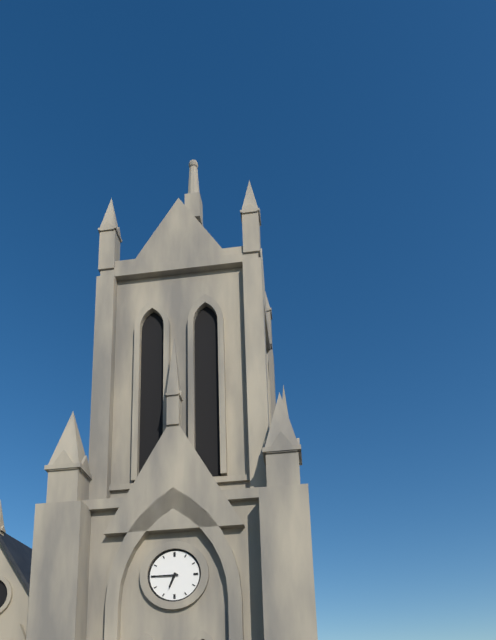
6:45
